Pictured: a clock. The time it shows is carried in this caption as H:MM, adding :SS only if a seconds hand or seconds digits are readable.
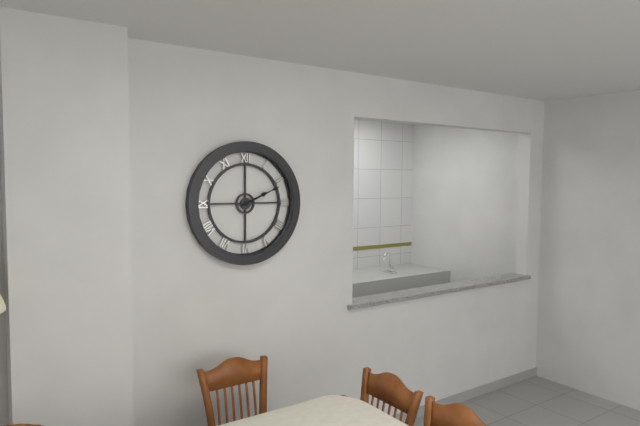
2:11
